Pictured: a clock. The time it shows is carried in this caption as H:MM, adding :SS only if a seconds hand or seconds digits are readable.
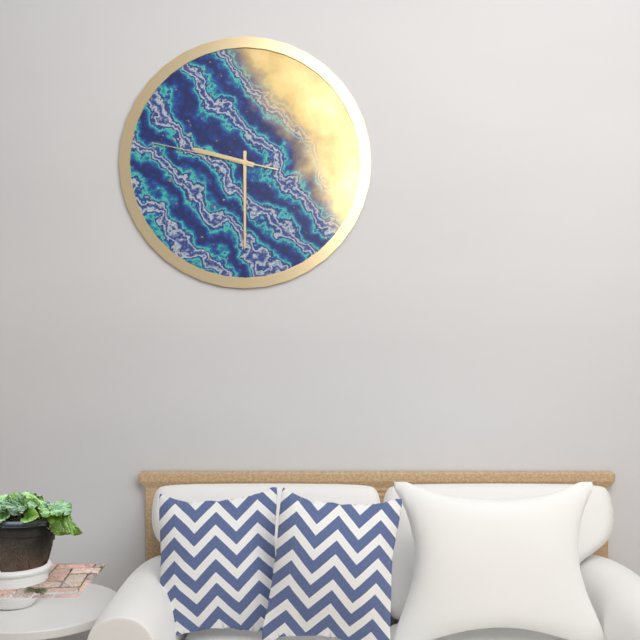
9:30:47
